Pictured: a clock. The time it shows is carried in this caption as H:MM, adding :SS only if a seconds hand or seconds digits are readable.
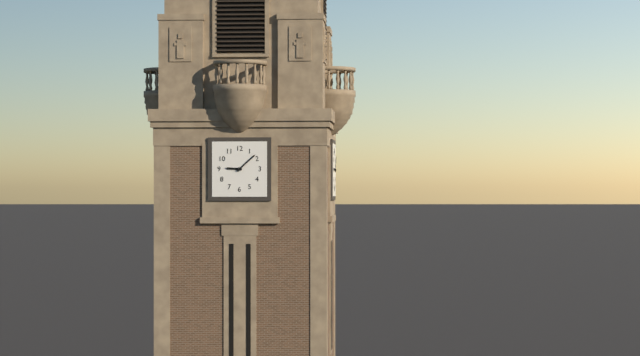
9:08
